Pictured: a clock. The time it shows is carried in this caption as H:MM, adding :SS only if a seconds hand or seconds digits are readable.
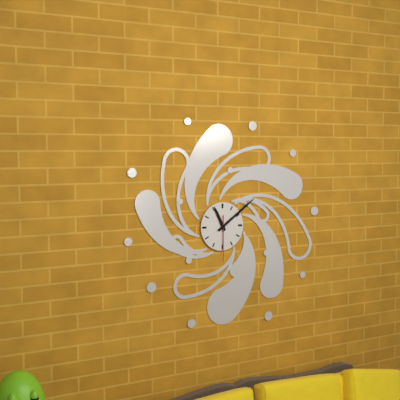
11:09
